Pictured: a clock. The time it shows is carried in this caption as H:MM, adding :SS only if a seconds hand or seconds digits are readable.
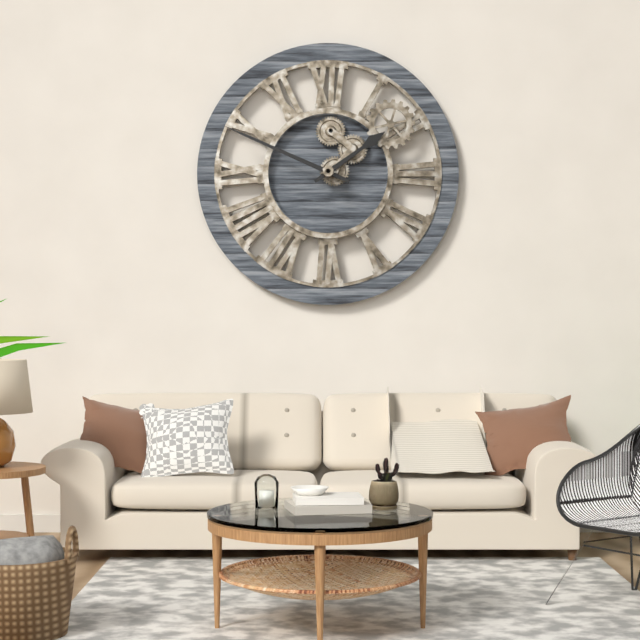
1:49
